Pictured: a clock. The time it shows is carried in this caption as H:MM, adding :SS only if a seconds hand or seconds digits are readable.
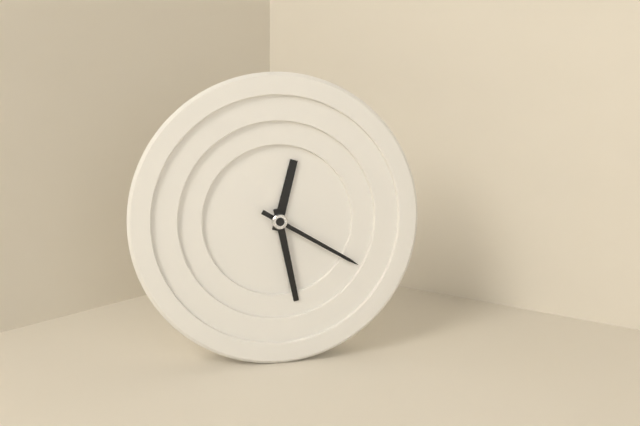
12:28:20
